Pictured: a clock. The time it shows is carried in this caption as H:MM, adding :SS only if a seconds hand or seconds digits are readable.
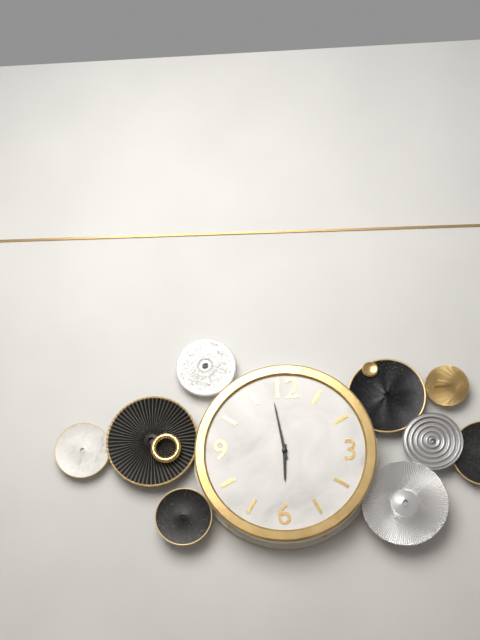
5:58
